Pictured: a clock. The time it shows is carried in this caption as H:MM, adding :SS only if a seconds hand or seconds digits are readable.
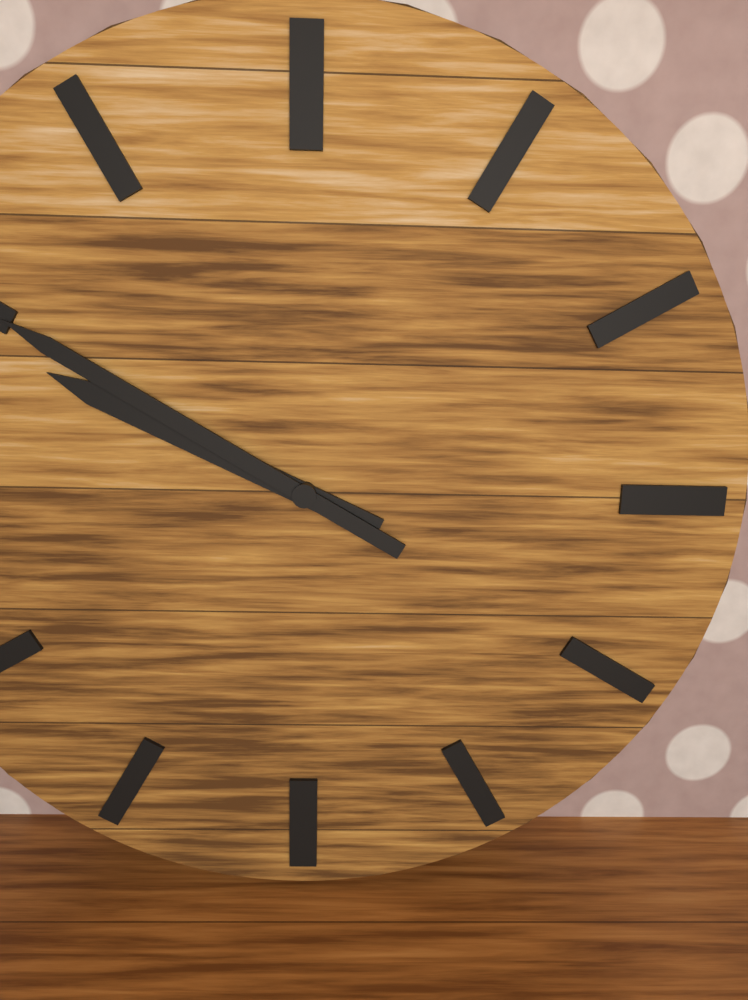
9:50
